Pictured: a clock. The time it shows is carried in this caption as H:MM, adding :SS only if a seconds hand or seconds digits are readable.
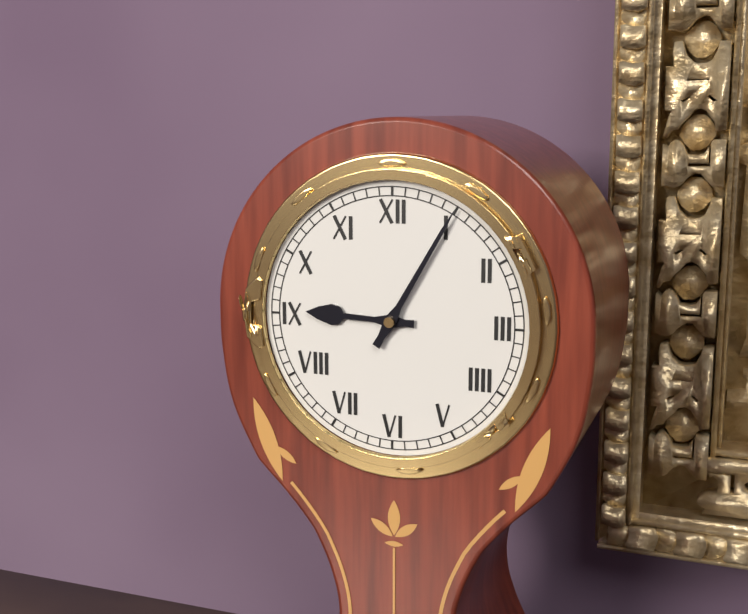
9:05
